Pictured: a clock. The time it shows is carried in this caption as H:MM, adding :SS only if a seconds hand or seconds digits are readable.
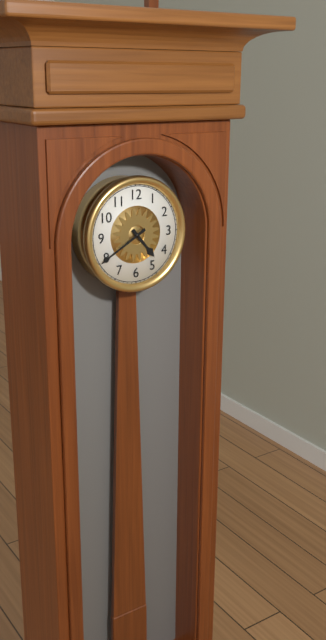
4:40
